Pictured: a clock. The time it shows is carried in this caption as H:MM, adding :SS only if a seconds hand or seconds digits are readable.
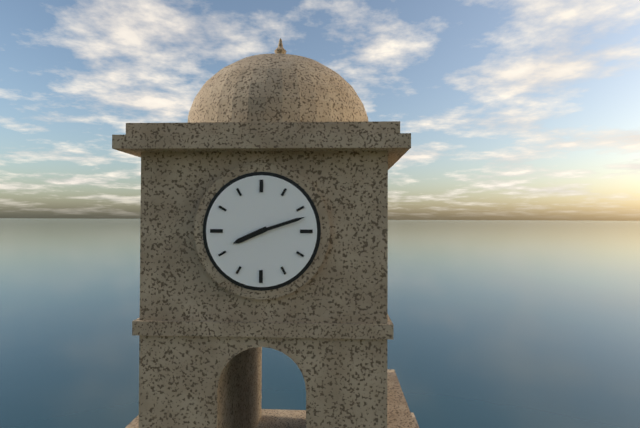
8:12
